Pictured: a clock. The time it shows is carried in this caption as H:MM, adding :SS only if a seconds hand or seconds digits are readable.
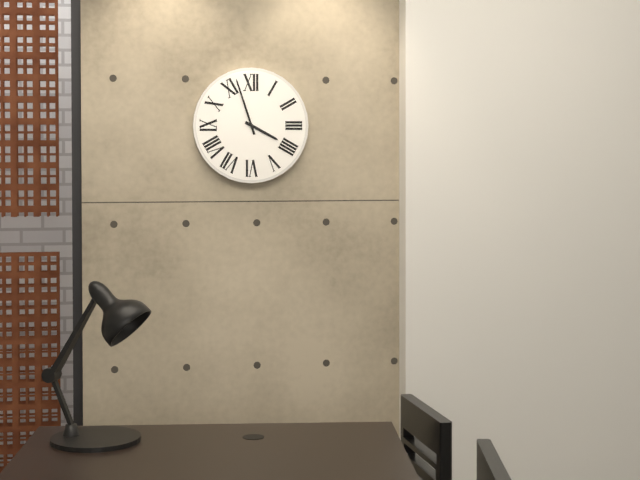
3:57
